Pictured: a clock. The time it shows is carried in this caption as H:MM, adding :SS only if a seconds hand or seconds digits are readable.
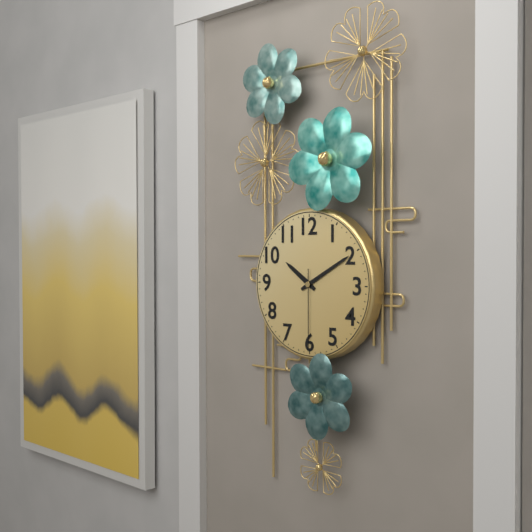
10:10:30
